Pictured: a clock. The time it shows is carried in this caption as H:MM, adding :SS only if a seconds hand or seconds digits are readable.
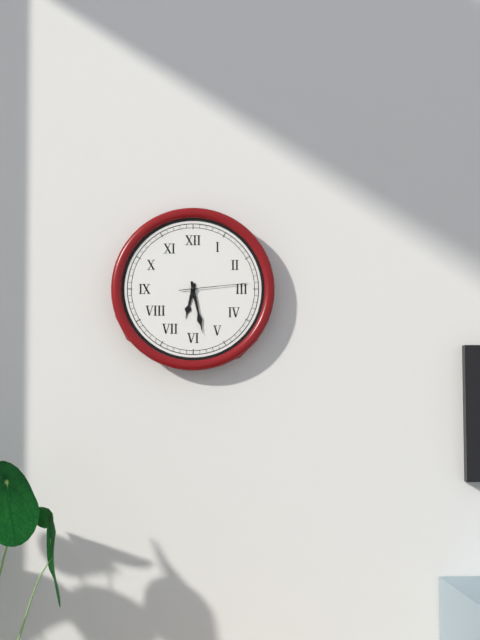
6:28:14
